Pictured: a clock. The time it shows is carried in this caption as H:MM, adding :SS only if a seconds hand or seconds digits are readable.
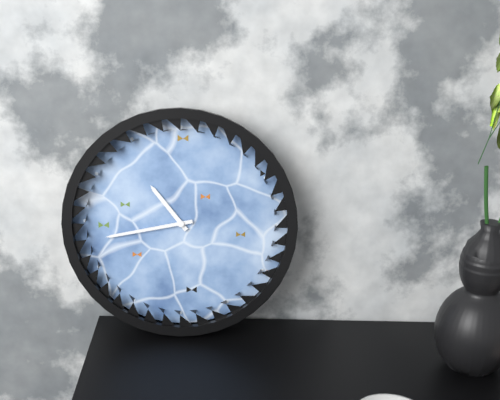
10:43
